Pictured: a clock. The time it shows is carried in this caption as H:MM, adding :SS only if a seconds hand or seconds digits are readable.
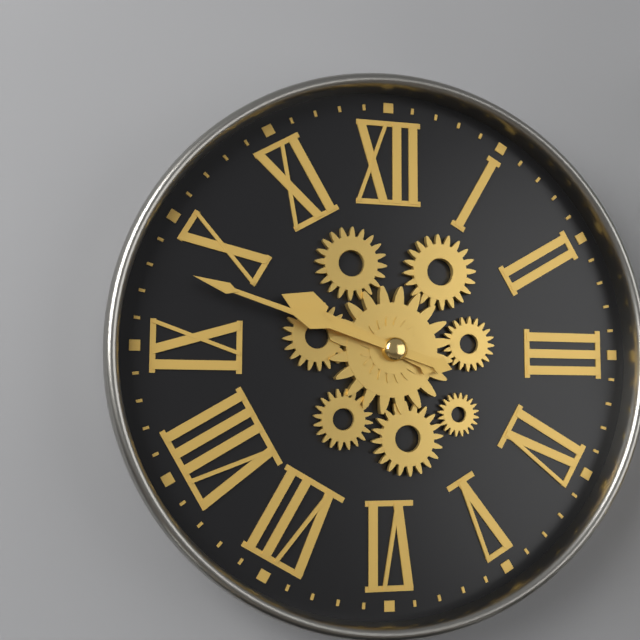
9:48
